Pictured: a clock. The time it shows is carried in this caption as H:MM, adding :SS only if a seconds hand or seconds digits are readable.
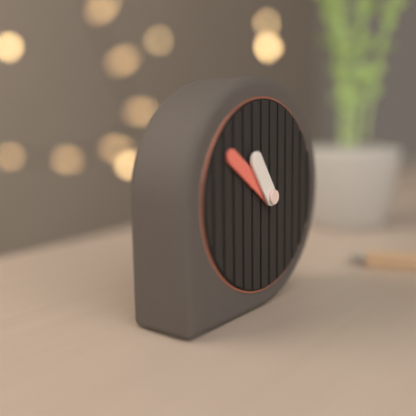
10:51
